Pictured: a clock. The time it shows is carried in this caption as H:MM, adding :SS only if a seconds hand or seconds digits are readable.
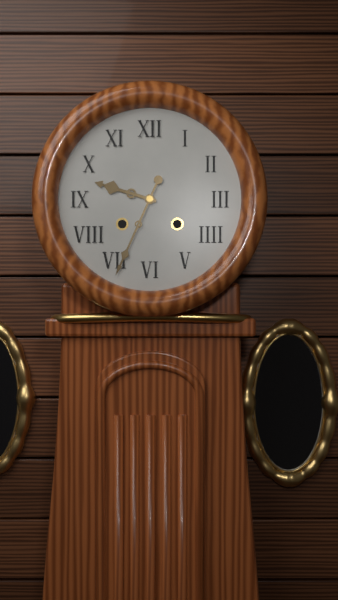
9:34
